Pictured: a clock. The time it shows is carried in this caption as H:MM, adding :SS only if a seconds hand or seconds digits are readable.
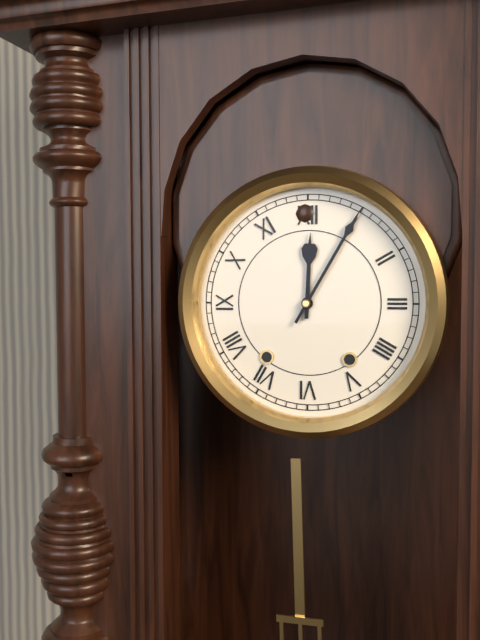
12:05
